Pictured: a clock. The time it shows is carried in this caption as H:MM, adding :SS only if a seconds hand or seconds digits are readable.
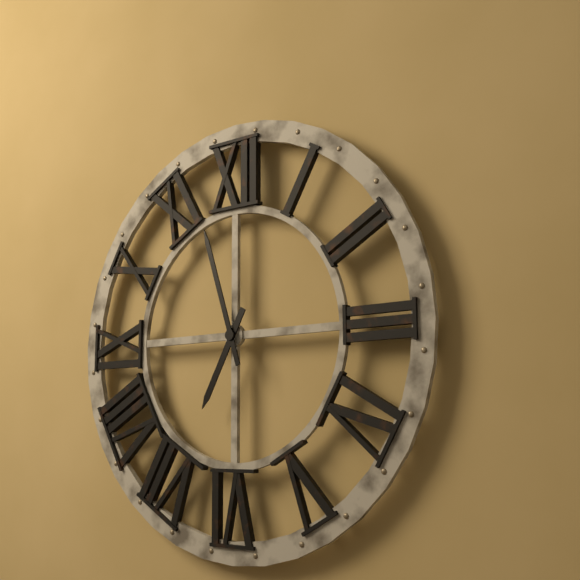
6:57
